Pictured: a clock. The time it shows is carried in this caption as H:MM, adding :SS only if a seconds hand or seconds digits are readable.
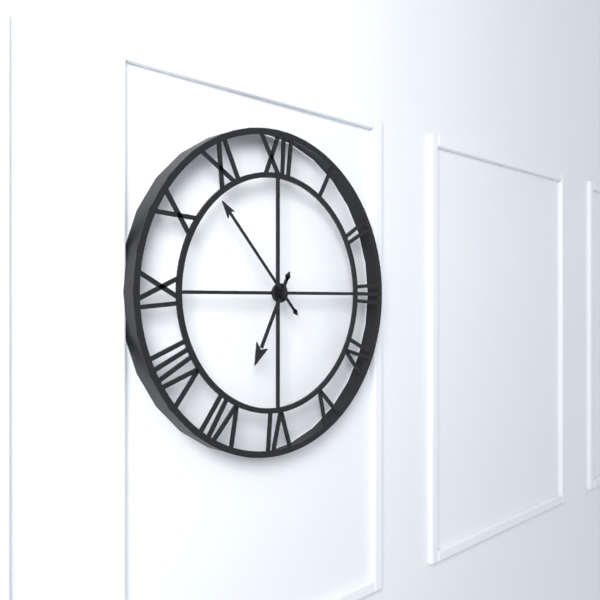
6:53
